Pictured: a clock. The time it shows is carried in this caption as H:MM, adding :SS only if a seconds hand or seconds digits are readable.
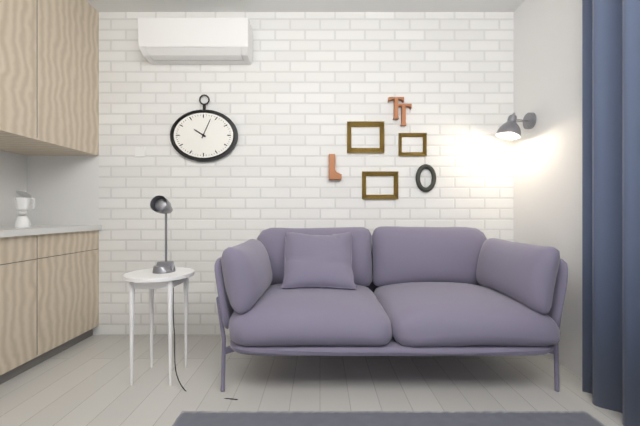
10:04
